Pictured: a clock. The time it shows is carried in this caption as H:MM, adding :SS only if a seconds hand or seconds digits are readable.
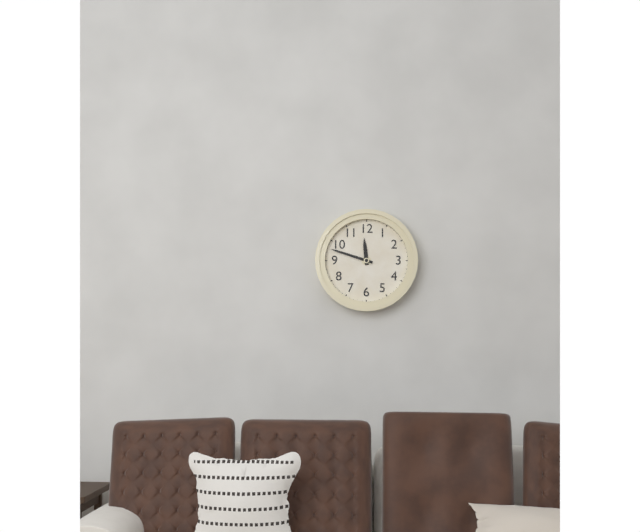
11:48
